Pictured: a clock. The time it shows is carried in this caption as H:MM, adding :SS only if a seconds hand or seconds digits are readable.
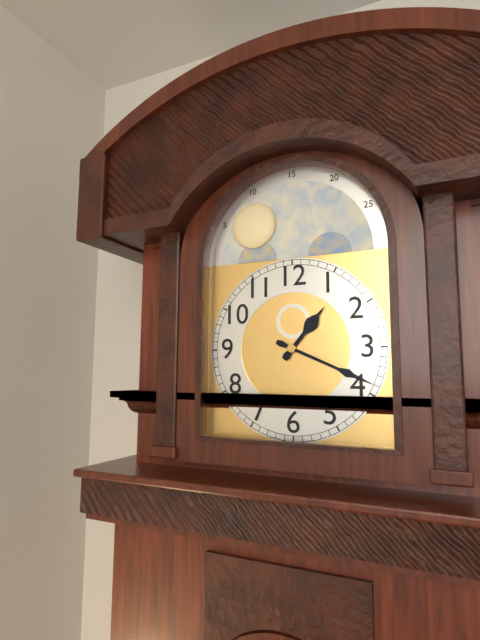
1:19
